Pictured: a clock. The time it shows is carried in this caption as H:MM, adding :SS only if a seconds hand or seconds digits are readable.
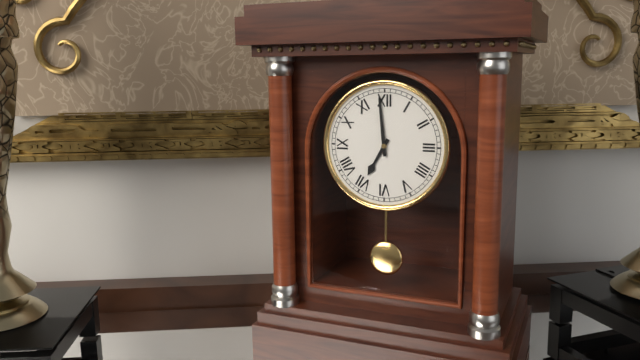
6:59
